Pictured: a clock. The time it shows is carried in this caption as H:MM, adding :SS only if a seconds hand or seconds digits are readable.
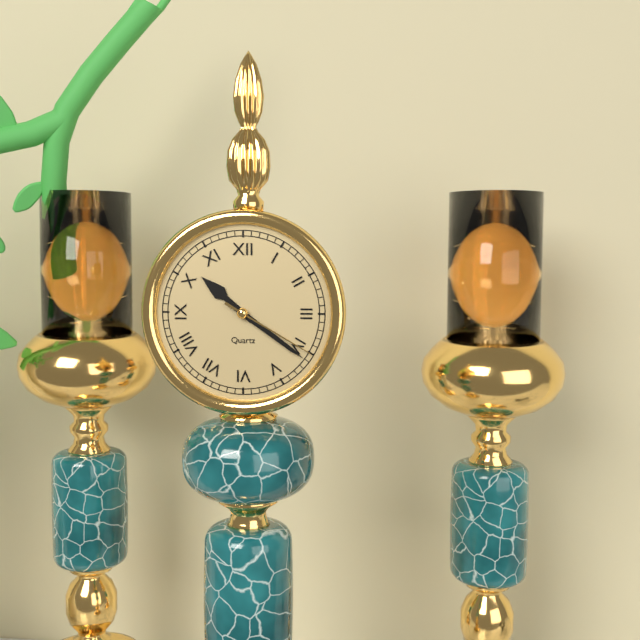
10:21:20
